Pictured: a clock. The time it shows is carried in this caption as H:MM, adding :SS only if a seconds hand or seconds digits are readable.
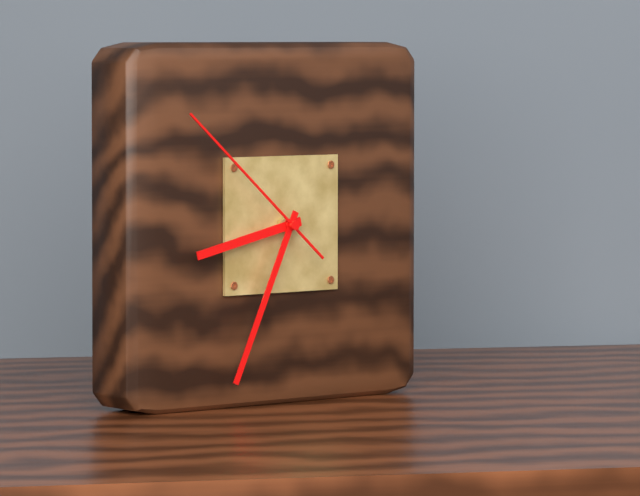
8:34:52
